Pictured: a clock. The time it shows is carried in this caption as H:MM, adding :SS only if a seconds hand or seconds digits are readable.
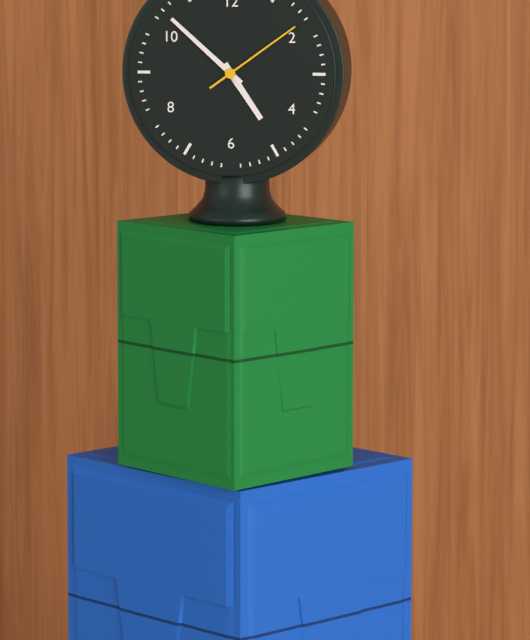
4:52:09
